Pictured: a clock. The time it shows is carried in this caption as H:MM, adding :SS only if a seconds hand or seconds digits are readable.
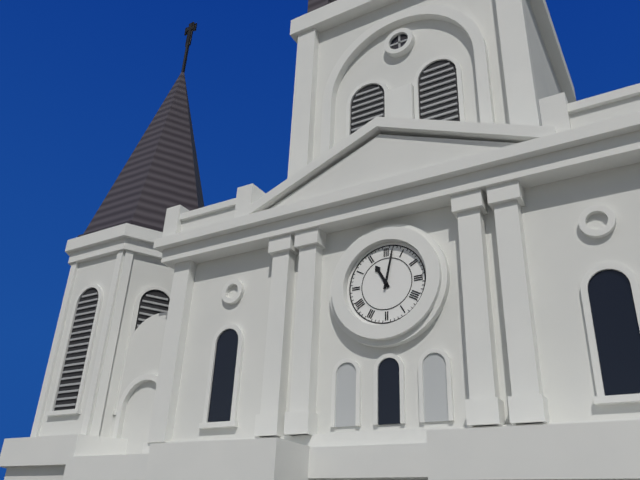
11:02
